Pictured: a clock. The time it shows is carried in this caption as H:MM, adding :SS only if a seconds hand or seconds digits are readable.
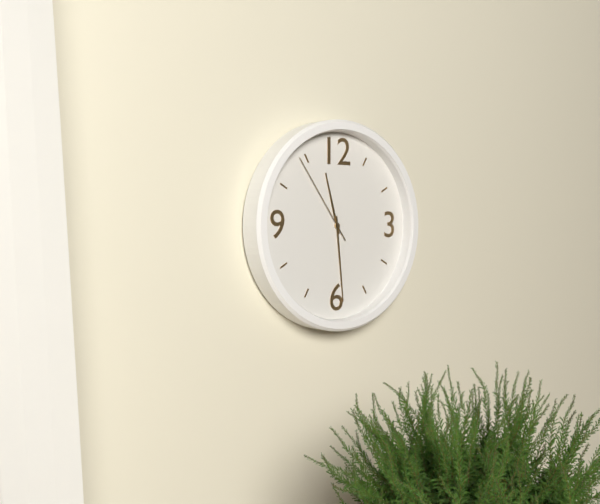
11:29:54
